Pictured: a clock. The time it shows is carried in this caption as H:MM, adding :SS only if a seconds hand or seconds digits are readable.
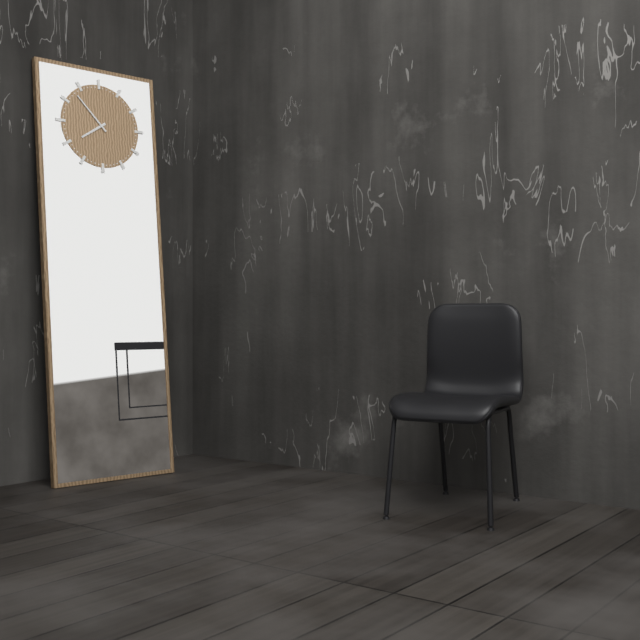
7:53
